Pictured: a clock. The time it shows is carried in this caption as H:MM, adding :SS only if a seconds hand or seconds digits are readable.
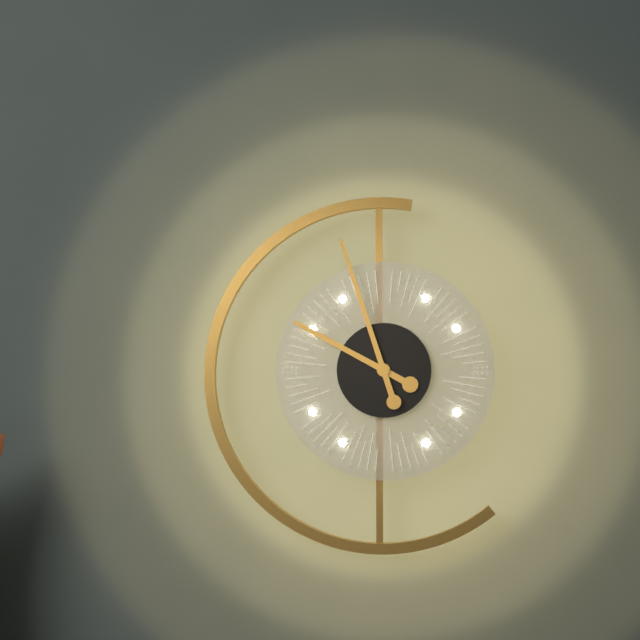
9:57
